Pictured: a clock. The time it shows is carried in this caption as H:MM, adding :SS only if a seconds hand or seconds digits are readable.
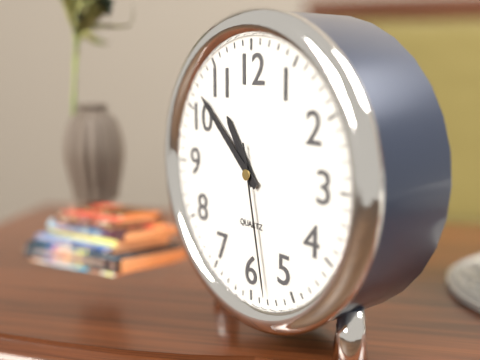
10:52:28
